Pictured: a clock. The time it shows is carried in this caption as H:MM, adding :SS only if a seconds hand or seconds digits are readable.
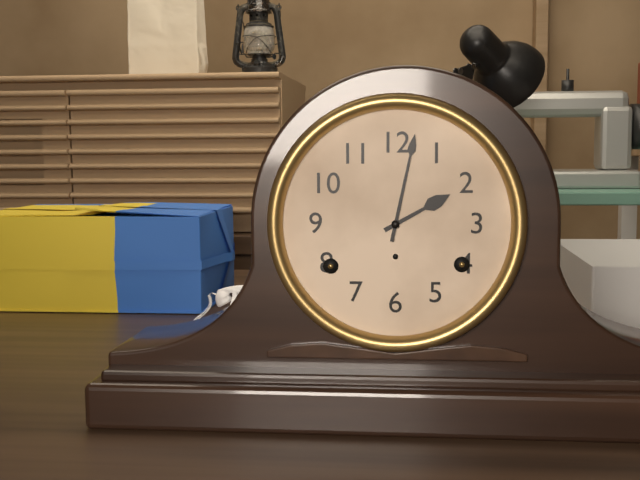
2:02
